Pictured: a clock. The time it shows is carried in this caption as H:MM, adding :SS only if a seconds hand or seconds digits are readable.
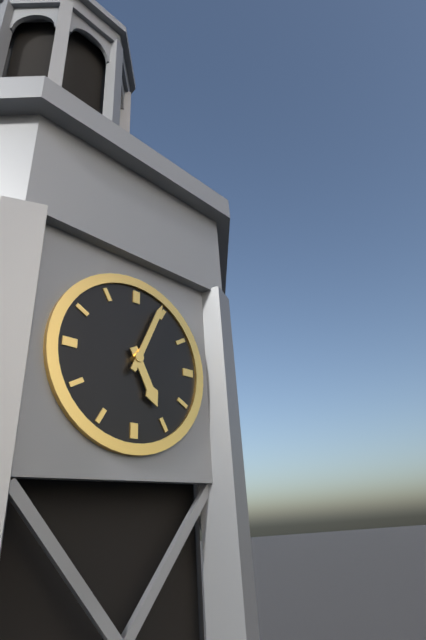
5:04
